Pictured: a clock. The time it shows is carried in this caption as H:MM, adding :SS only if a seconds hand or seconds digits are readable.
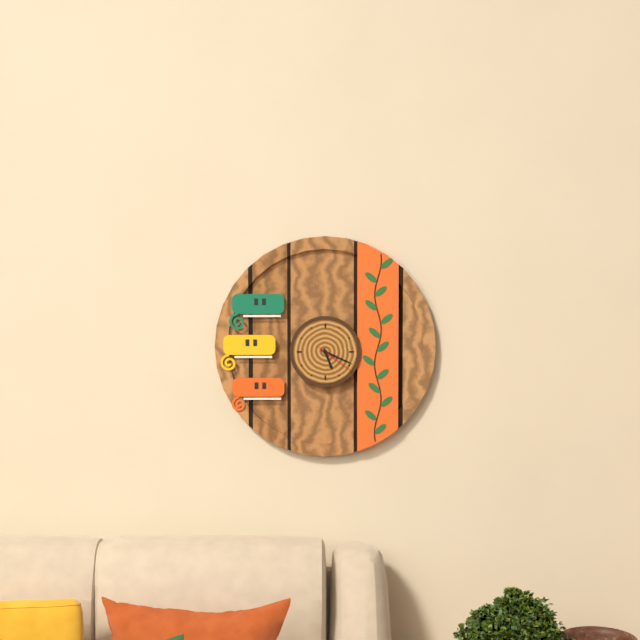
5:19
